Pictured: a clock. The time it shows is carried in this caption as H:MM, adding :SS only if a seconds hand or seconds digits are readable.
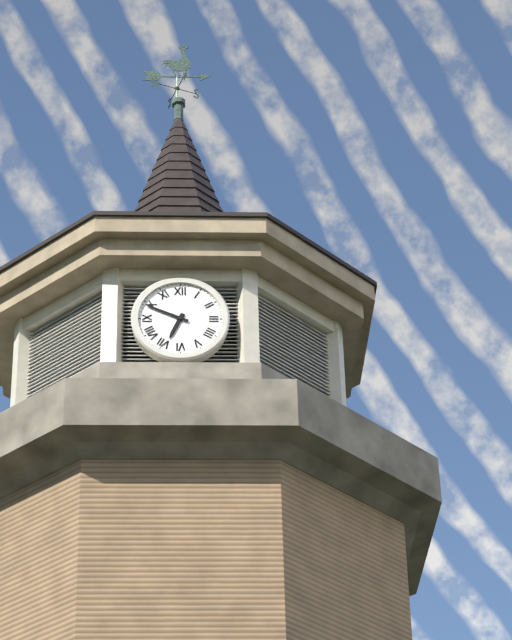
6:49
